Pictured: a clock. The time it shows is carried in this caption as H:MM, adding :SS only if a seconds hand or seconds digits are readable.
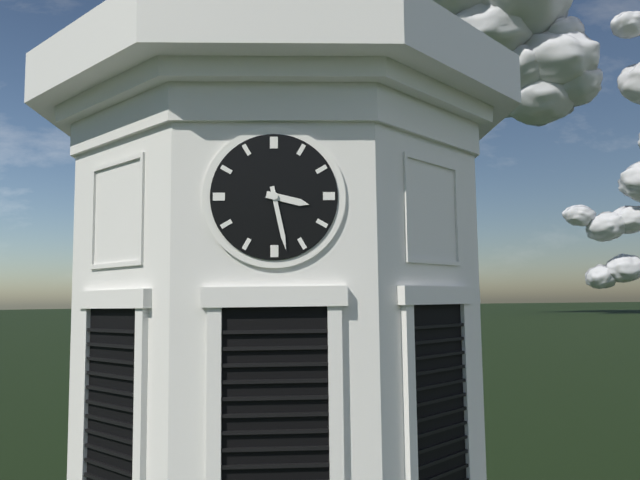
3:28
